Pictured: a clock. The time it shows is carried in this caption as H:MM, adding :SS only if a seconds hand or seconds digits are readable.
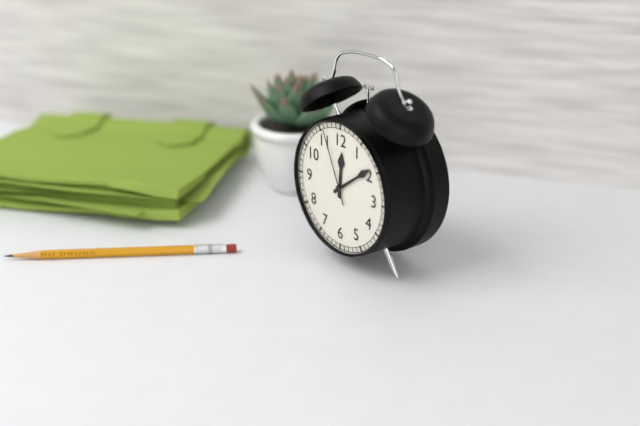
12:09:56
